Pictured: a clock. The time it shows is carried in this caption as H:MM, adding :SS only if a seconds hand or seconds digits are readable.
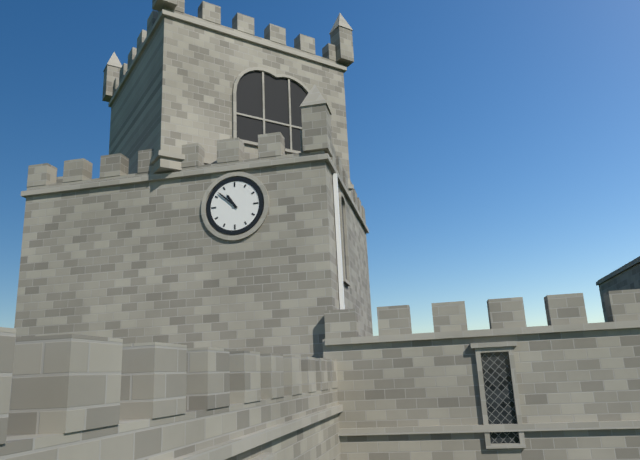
10:52
